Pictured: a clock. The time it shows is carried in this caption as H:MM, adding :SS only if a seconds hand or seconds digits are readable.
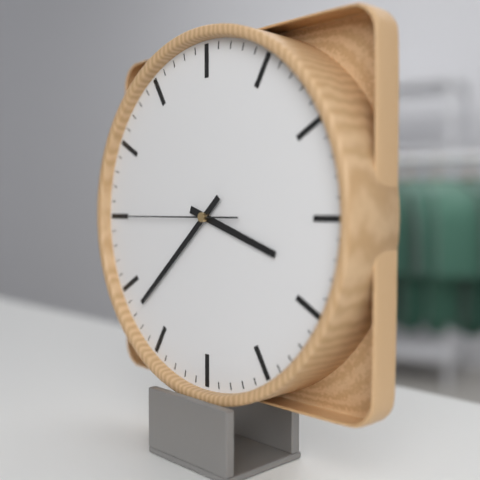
3:38:45
